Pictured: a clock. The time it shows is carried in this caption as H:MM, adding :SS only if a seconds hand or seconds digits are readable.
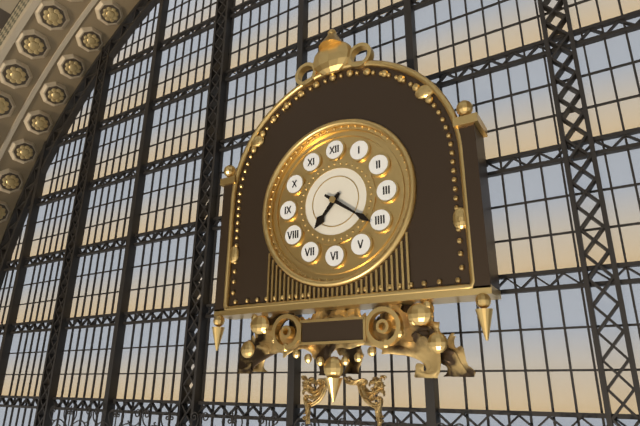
7:21
